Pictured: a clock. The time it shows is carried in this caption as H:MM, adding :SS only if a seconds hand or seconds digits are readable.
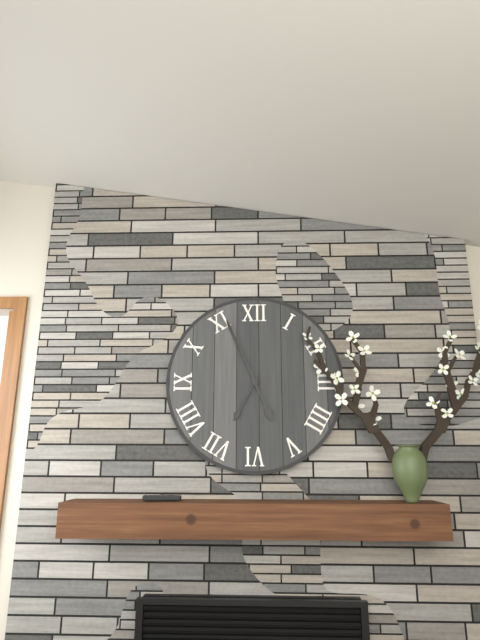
6:56
